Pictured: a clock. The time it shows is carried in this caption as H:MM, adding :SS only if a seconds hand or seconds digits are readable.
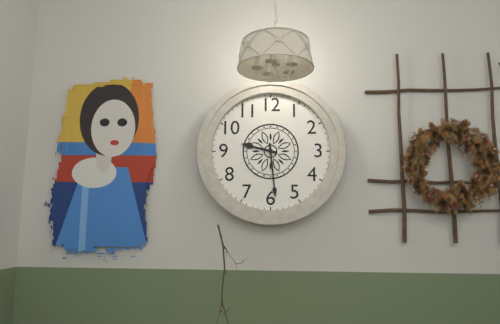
9:29
